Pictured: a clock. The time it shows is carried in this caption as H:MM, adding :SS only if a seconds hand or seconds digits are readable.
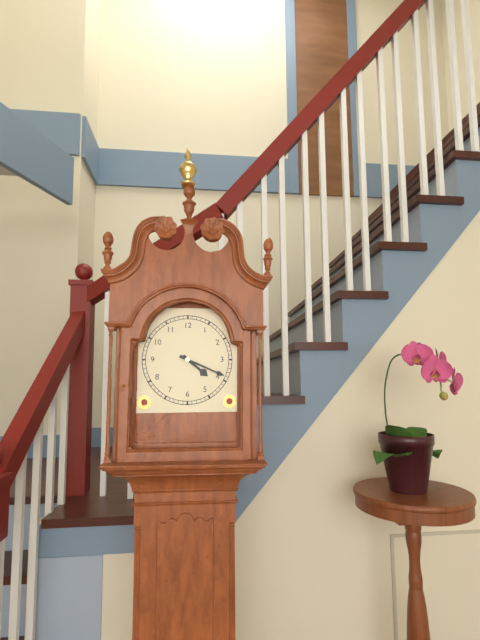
4:19
